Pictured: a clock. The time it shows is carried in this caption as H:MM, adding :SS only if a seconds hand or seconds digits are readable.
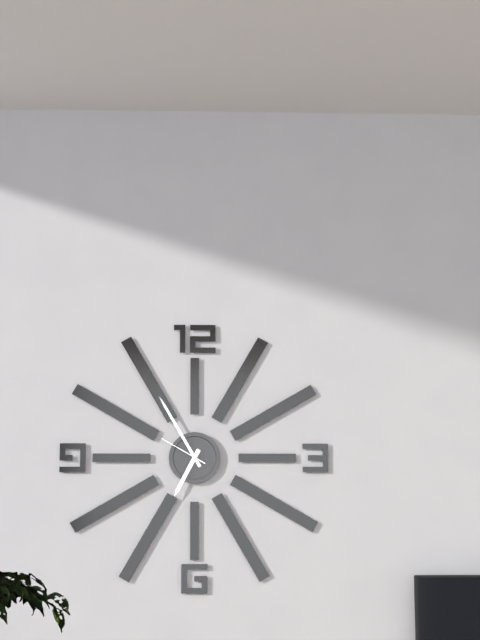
6:55
